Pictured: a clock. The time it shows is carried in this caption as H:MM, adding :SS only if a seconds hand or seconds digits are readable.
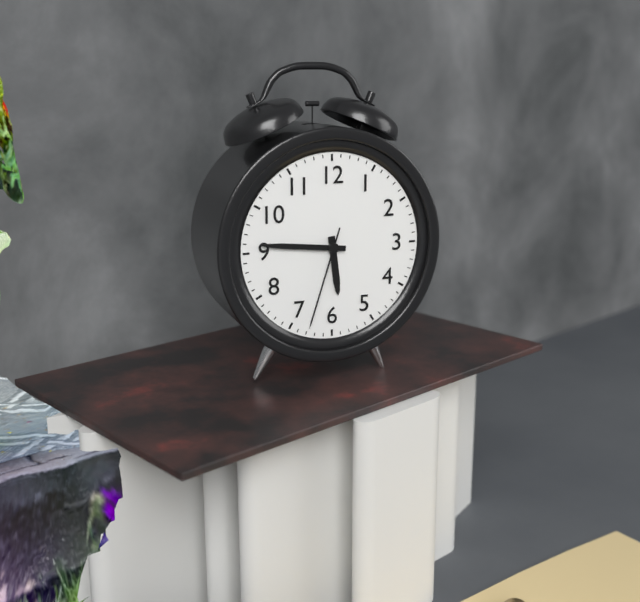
5:46:33
